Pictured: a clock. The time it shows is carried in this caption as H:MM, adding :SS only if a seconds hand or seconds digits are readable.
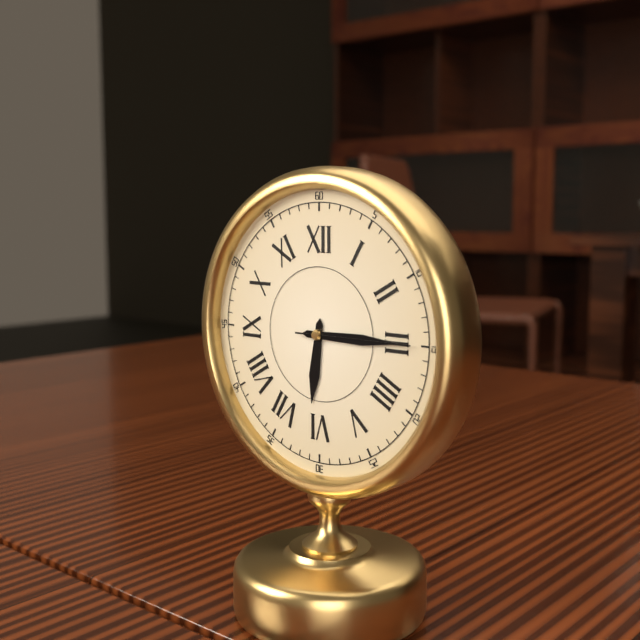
6:15:15
